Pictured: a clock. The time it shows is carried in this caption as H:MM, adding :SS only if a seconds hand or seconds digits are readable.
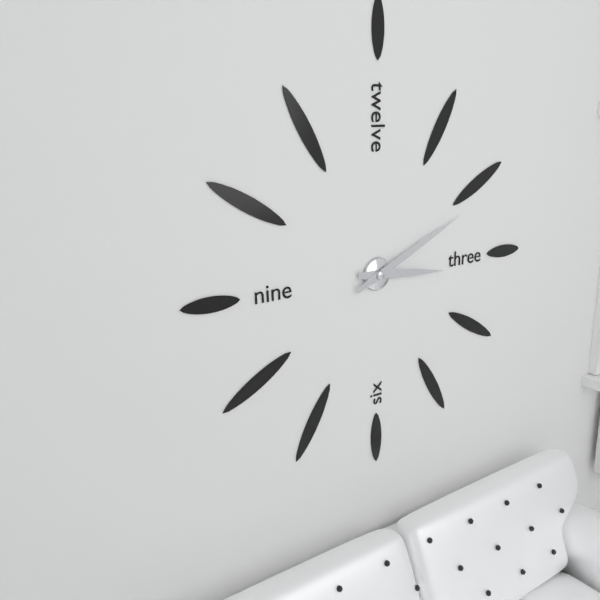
3:11
